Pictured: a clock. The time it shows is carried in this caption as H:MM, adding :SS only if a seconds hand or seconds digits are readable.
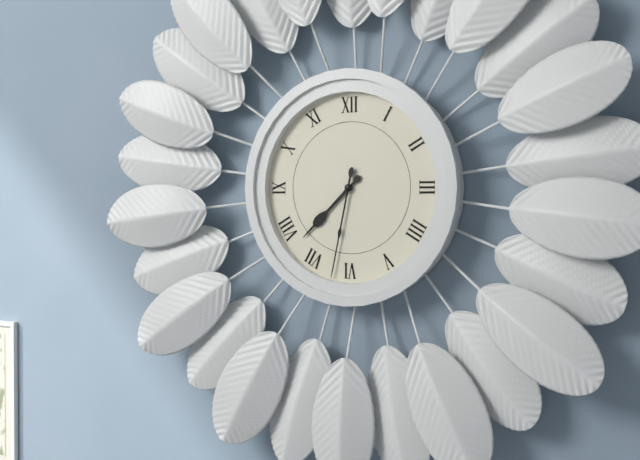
7:32
